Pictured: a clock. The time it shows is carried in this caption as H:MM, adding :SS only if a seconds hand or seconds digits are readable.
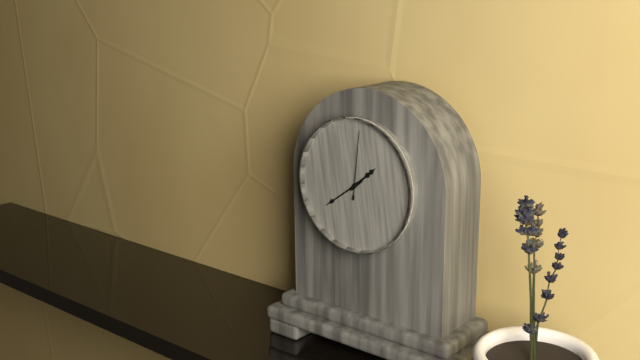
1:39:01
